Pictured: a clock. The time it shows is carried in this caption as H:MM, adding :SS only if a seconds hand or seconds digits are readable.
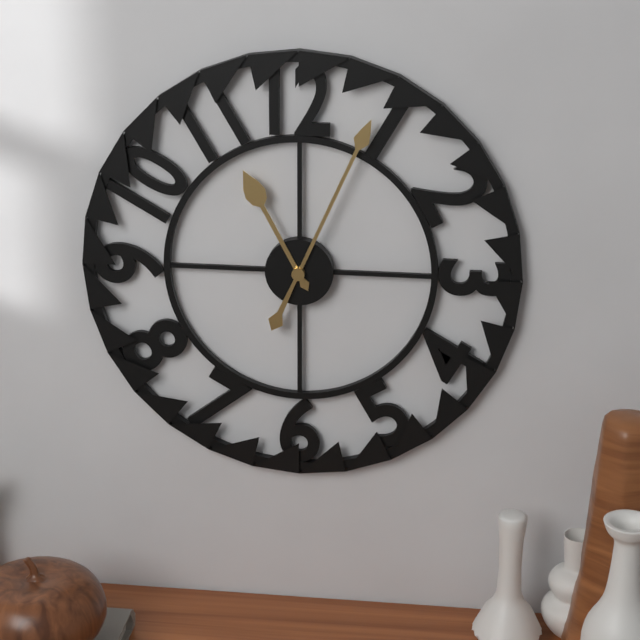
11:04
